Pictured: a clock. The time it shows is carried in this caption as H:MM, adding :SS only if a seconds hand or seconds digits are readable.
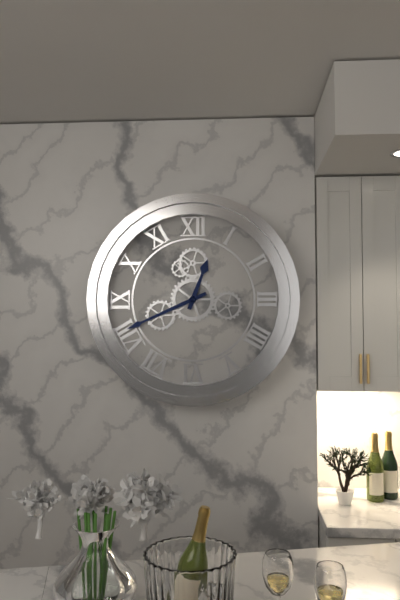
12:41
